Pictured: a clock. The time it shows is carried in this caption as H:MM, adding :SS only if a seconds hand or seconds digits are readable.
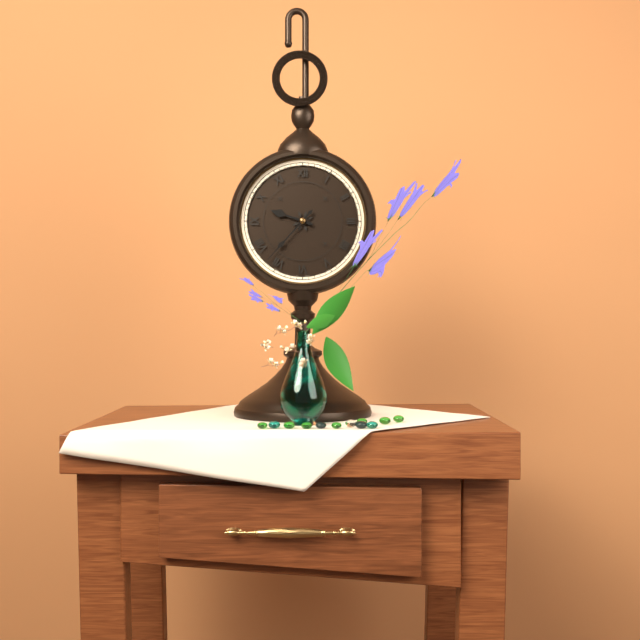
9:37
